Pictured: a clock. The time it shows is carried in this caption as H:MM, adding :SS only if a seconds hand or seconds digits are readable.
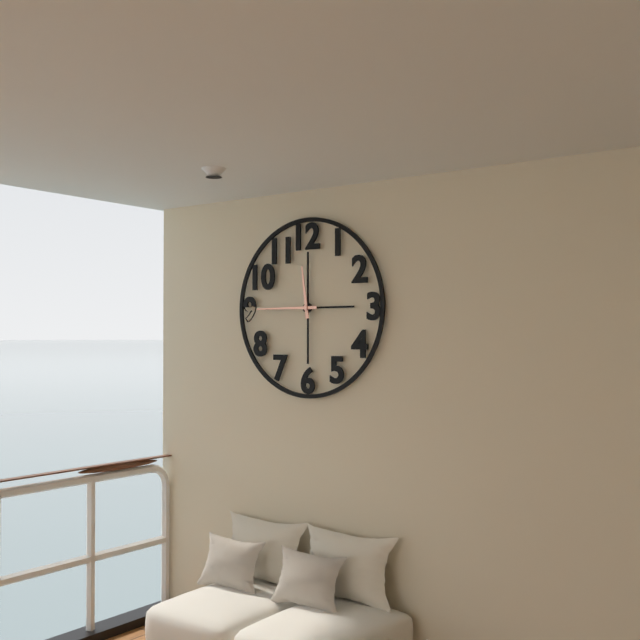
11:45
